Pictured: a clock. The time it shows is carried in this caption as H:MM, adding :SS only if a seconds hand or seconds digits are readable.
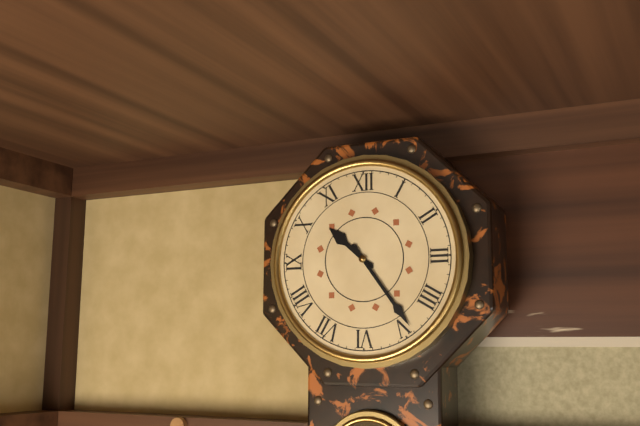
10:24
